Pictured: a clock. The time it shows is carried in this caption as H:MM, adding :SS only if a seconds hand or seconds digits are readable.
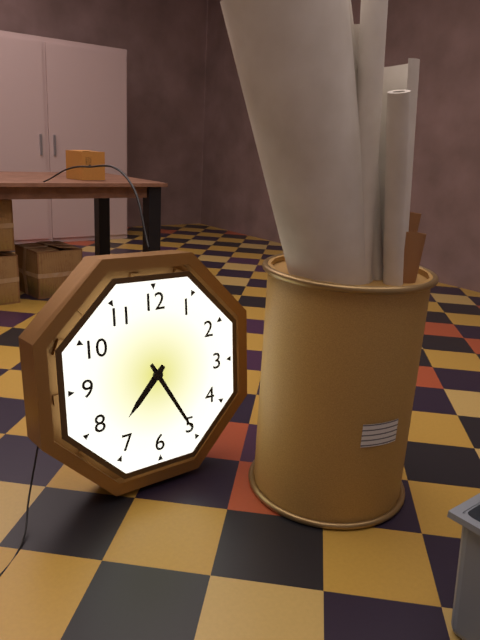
7:25
